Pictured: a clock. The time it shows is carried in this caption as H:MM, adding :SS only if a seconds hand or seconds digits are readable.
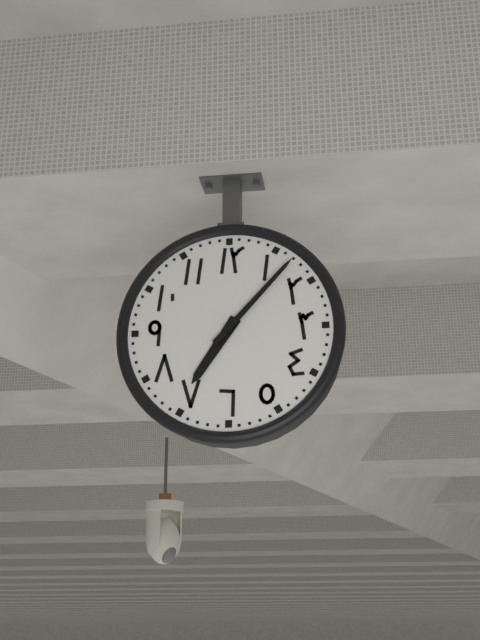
7:07
